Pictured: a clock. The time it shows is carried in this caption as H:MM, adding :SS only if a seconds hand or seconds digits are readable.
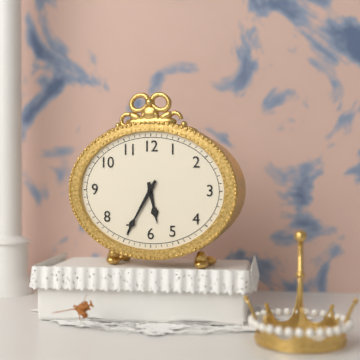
5:35
